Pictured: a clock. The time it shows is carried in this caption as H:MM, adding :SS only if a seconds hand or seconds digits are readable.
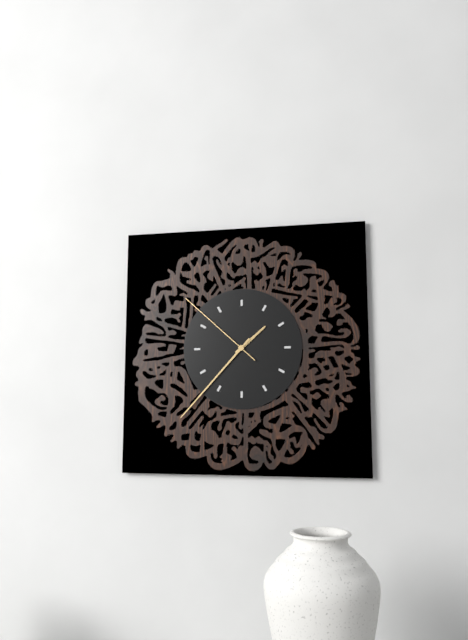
1:37:52
